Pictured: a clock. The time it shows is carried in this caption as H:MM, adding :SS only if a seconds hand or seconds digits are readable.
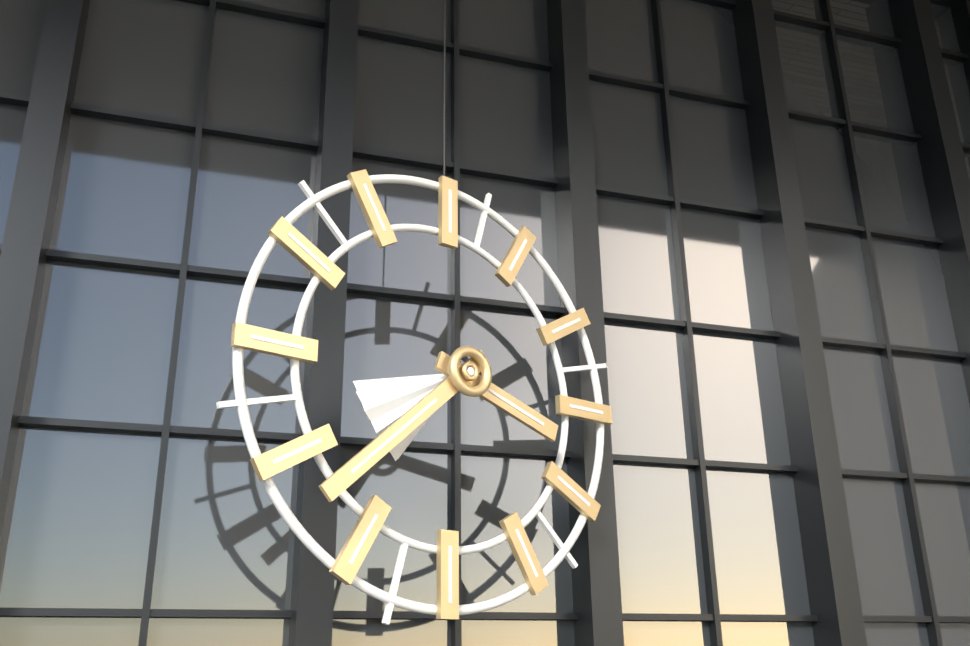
3:38
